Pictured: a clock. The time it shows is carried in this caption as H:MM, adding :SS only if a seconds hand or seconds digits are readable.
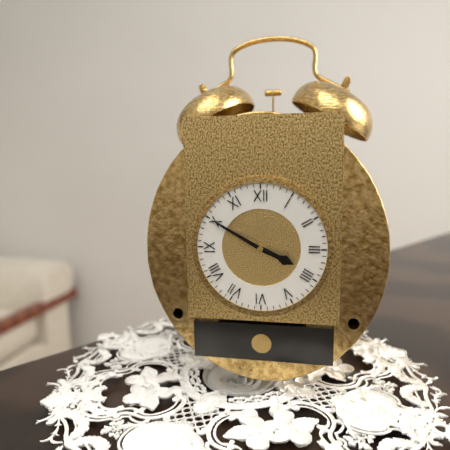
3:50
